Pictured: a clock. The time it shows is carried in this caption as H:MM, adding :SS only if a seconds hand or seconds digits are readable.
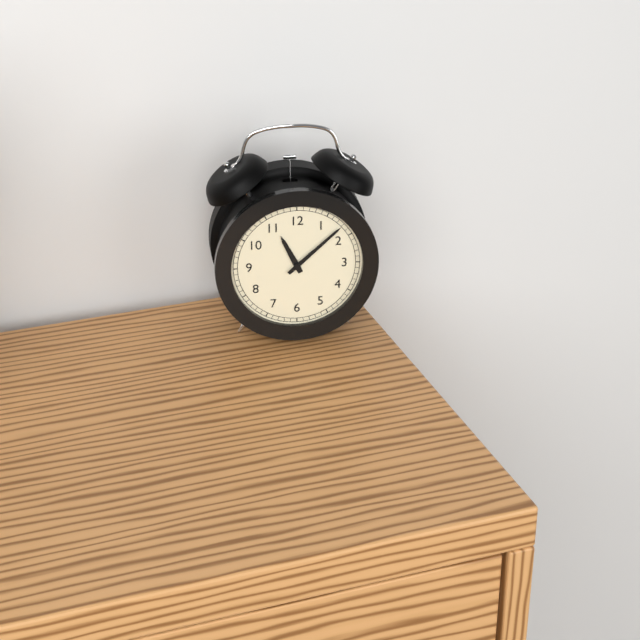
11:08
